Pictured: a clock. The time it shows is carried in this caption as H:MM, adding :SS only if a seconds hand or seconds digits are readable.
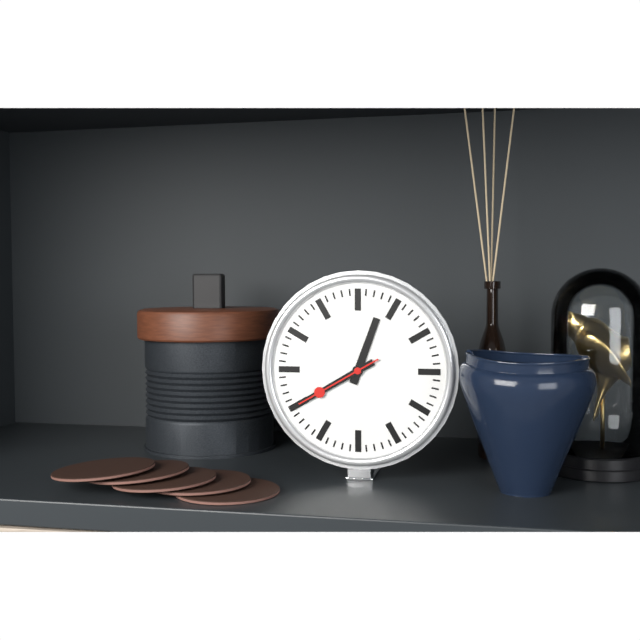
12:40:40
